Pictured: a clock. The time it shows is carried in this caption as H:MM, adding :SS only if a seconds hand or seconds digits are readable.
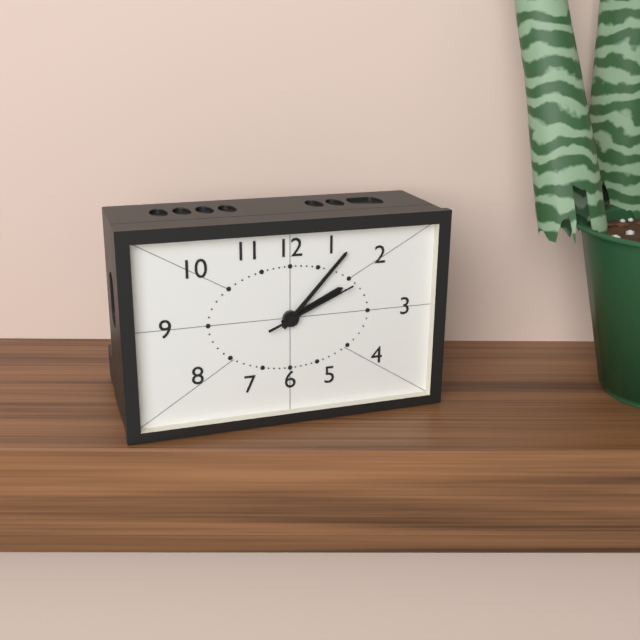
2:07:11
